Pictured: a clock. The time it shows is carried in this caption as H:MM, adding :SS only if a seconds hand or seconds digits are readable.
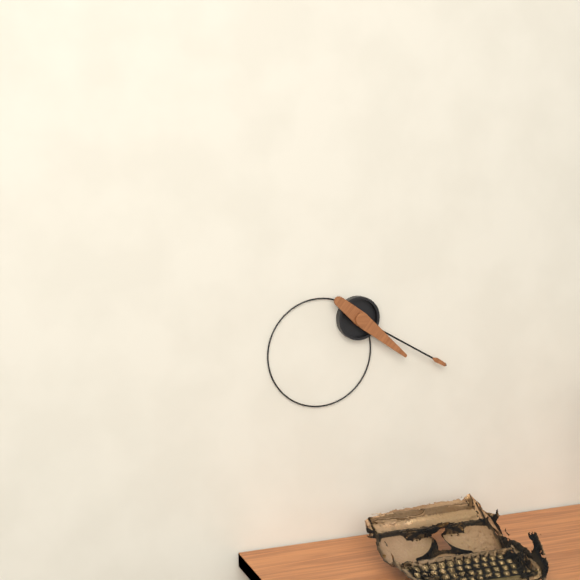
4:20
